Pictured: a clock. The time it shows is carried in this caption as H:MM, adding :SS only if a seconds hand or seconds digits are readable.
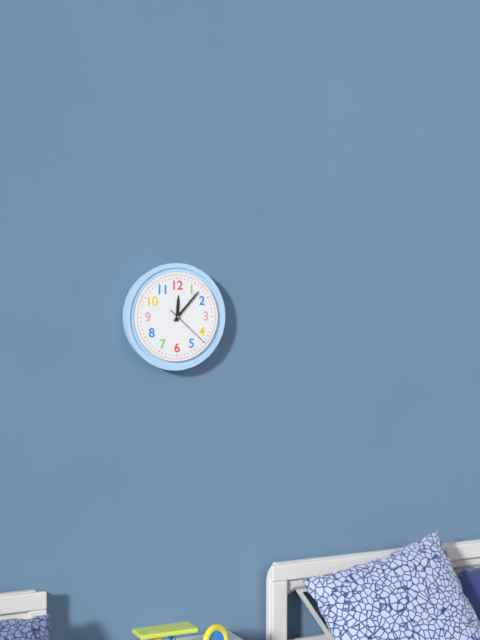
12:07
